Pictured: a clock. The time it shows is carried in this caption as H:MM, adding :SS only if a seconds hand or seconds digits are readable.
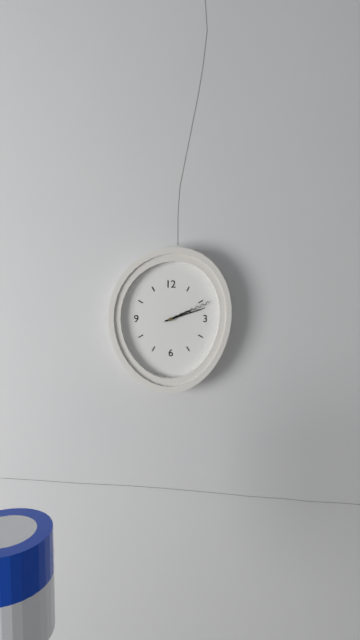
2:12:11
